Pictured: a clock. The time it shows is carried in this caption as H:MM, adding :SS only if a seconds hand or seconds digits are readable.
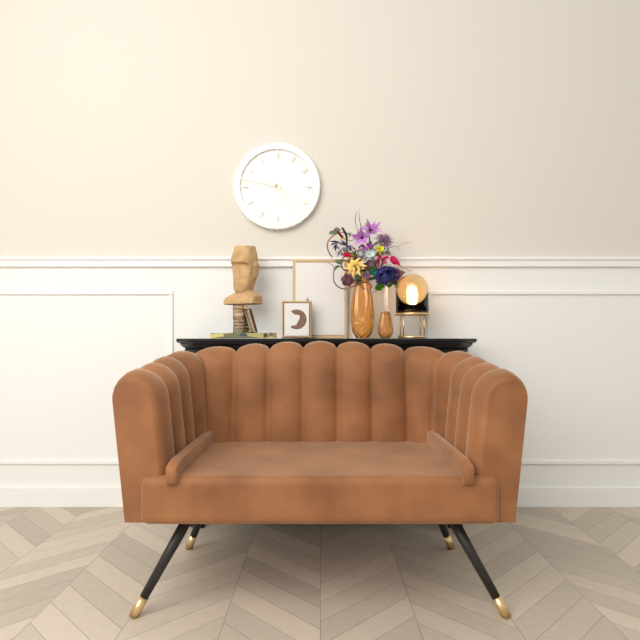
4:47
